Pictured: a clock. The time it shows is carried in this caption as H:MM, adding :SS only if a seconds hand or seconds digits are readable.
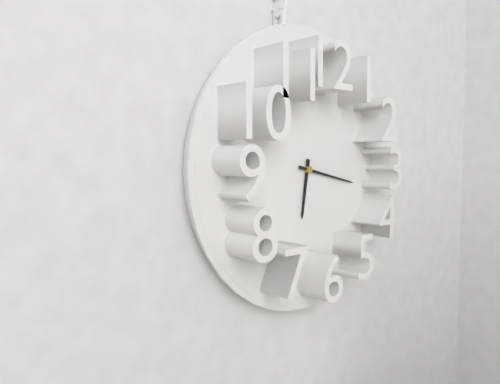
6:17
